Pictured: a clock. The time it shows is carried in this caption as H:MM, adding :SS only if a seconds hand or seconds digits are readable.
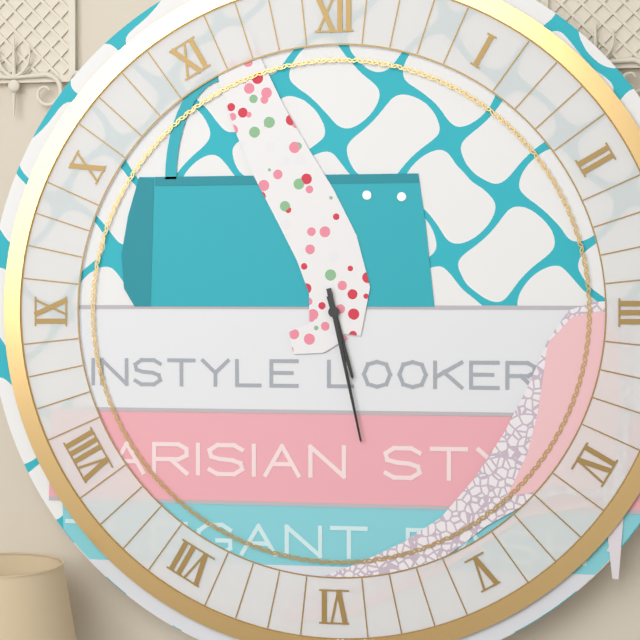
5:28
